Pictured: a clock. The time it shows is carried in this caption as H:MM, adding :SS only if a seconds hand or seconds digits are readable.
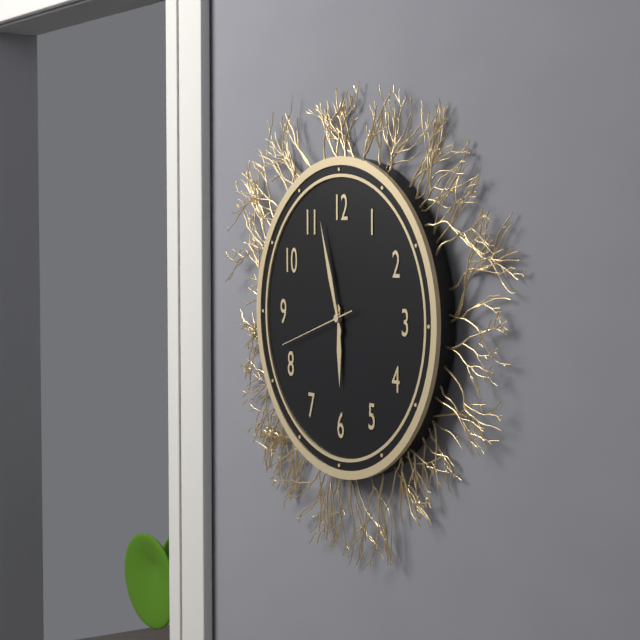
5:57:42
